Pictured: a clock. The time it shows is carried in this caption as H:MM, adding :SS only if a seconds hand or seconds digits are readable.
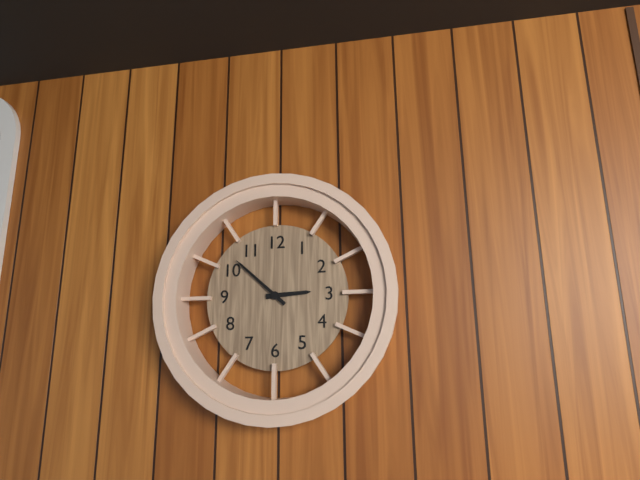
2:52
